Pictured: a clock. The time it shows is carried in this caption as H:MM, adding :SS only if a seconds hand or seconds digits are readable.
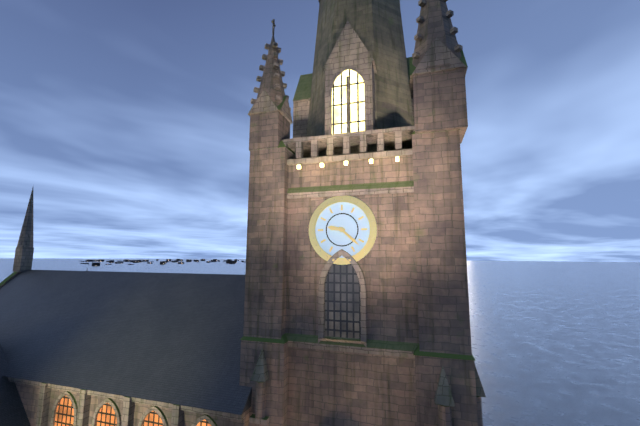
9:22
